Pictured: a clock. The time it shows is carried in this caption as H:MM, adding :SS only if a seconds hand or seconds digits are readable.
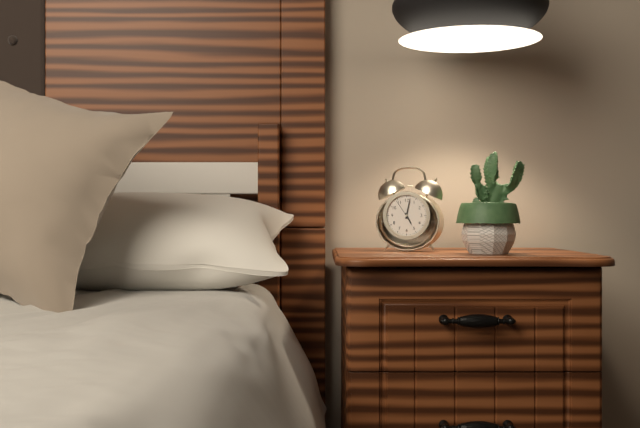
5:02
